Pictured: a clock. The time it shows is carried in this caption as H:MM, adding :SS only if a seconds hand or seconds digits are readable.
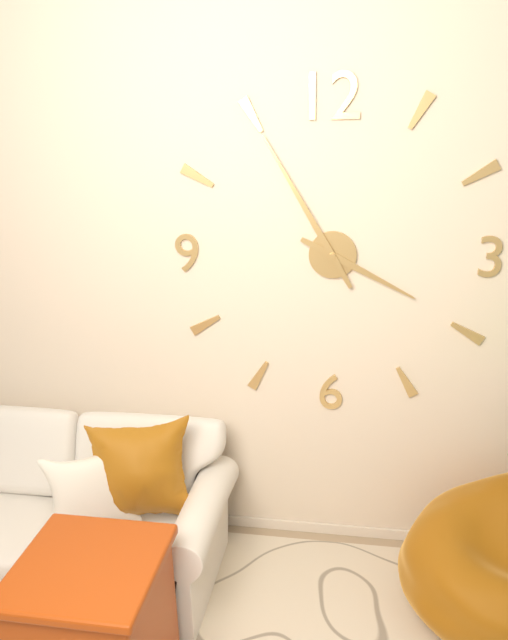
3:55
